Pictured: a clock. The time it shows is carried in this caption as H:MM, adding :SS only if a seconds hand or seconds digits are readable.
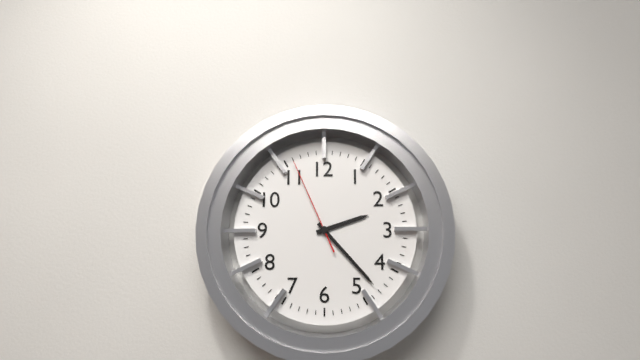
2:23:56
